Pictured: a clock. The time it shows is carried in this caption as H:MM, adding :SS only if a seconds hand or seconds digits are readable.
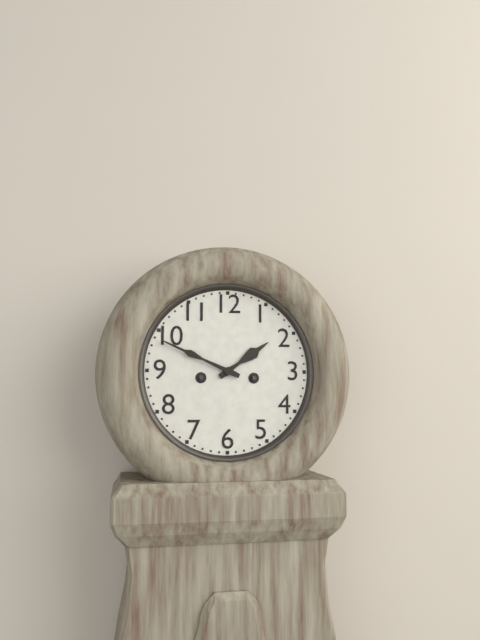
1:49
